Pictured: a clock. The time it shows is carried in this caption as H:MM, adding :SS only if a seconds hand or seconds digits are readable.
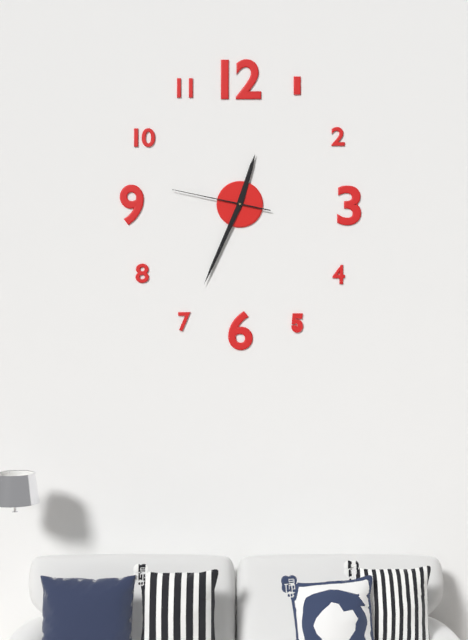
12:34:47
